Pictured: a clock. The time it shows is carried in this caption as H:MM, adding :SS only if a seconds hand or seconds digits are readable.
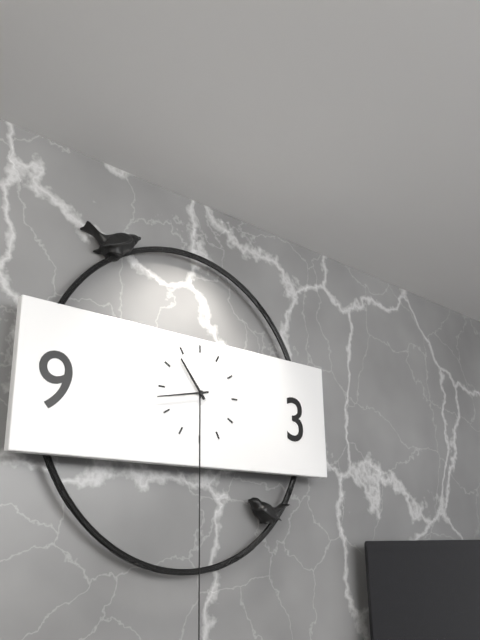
10:43
